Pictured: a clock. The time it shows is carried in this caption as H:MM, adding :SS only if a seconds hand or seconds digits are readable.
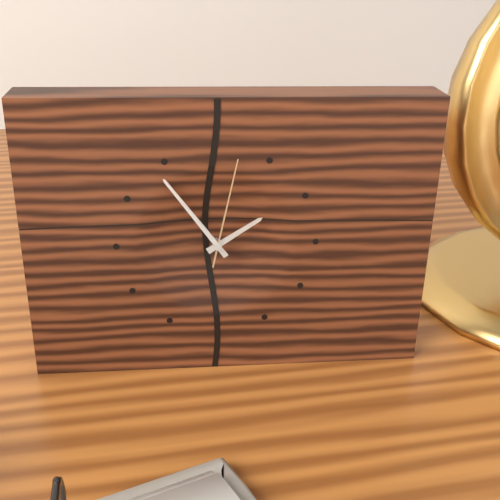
1:54:02
